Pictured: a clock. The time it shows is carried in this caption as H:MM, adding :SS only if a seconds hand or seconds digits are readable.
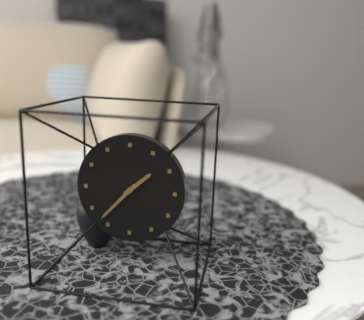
1:37
